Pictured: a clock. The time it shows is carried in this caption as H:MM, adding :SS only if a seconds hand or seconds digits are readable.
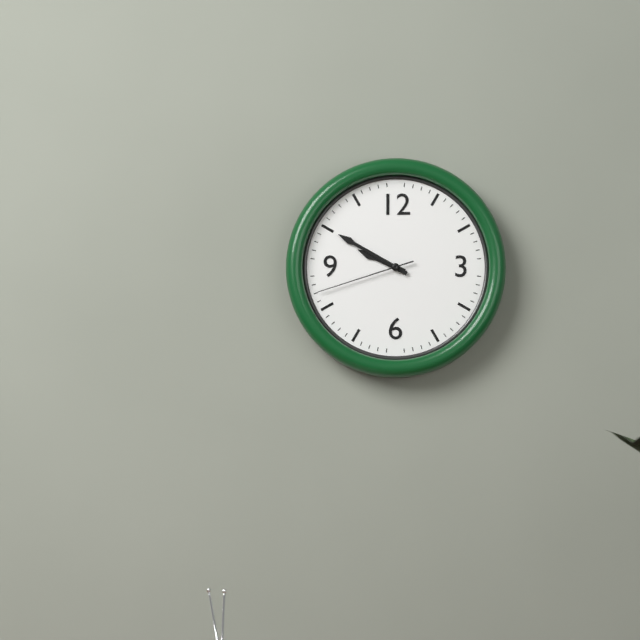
9:50:42
